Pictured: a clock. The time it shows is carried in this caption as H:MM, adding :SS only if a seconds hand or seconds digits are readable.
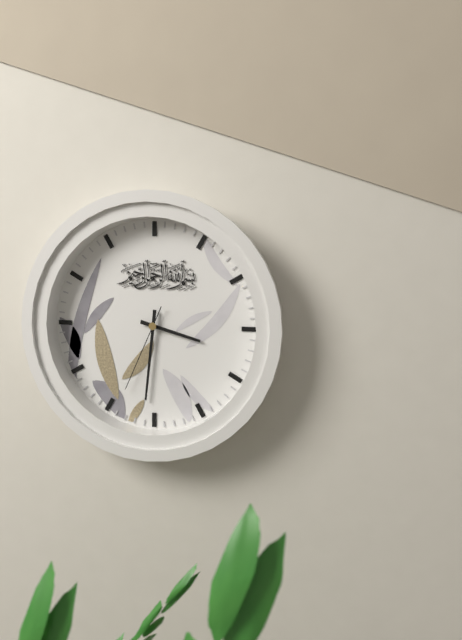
3:31:34
